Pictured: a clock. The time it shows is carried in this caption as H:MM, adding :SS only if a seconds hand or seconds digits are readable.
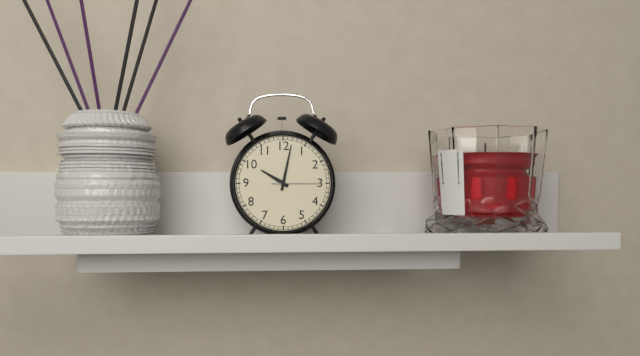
10:02
